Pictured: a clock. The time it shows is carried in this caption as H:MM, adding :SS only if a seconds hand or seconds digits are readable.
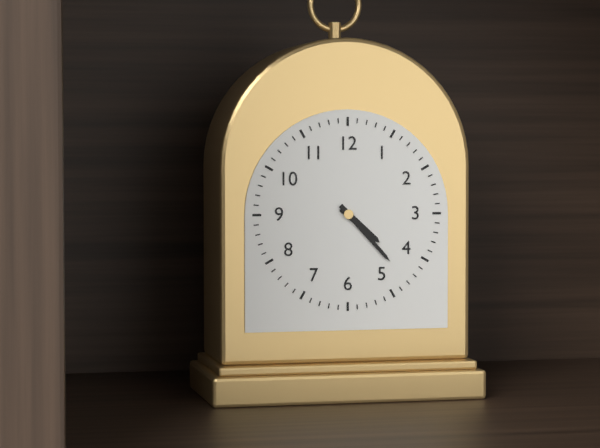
4:23
